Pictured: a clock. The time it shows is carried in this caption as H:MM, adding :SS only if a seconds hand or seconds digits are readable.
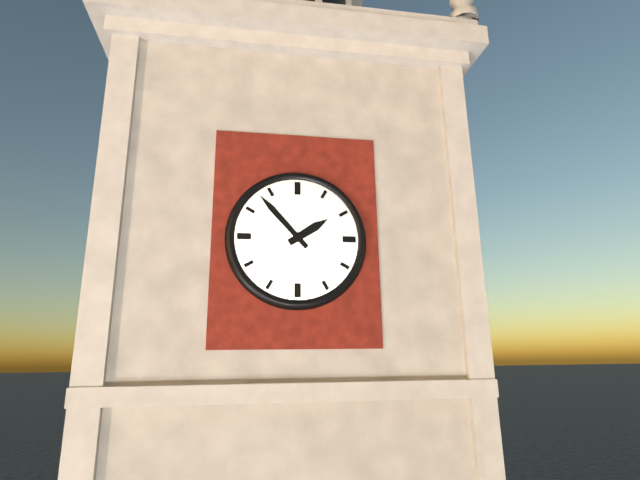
1:53
